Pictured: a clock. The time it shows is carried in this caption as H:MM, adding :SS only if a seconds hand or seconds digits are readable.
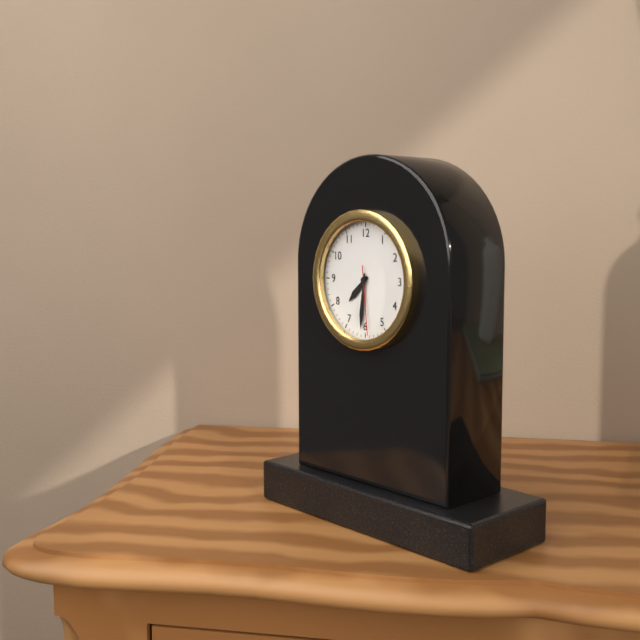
7:31:29
